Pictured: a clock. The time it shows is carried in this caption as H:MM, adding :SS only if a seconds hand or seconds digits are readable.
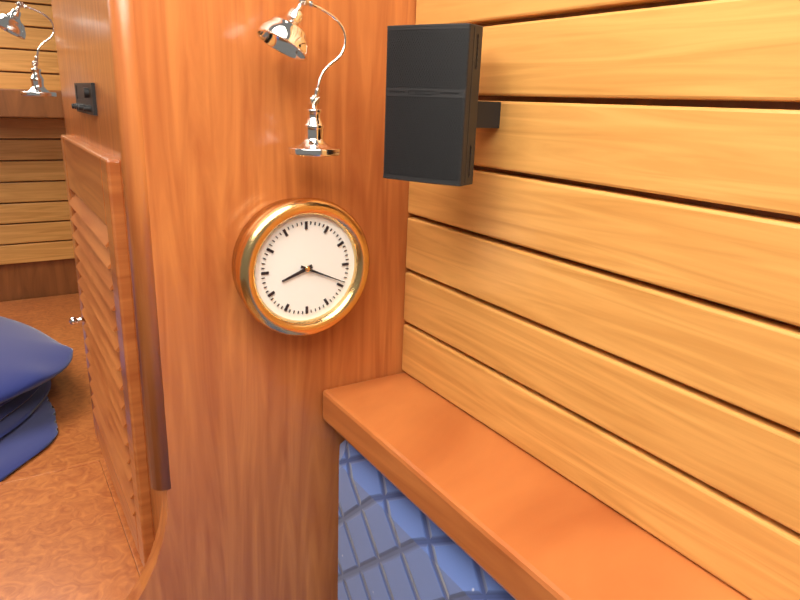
8:19
